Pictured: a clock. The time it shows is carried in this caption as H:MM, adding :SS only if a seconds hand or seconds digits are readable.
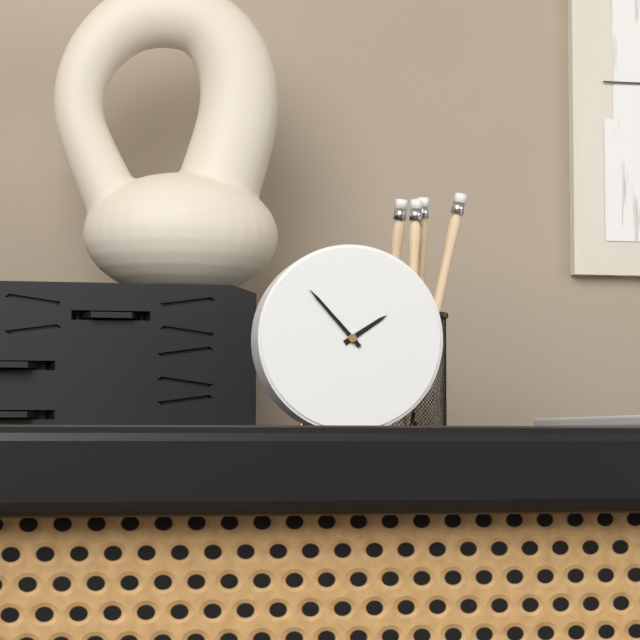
1:53
